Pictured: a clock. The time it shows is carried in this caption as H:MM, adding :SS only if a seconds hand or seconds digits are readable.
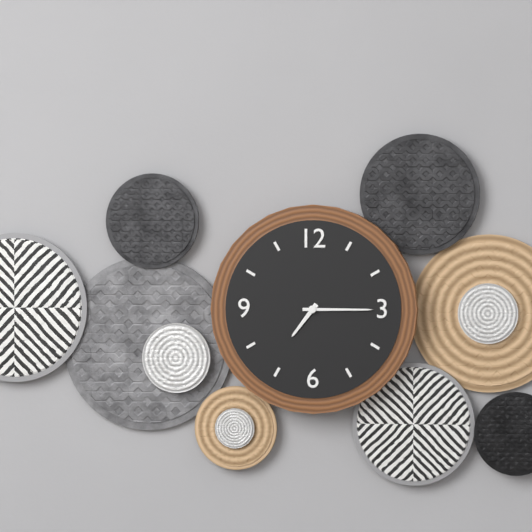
7:15
